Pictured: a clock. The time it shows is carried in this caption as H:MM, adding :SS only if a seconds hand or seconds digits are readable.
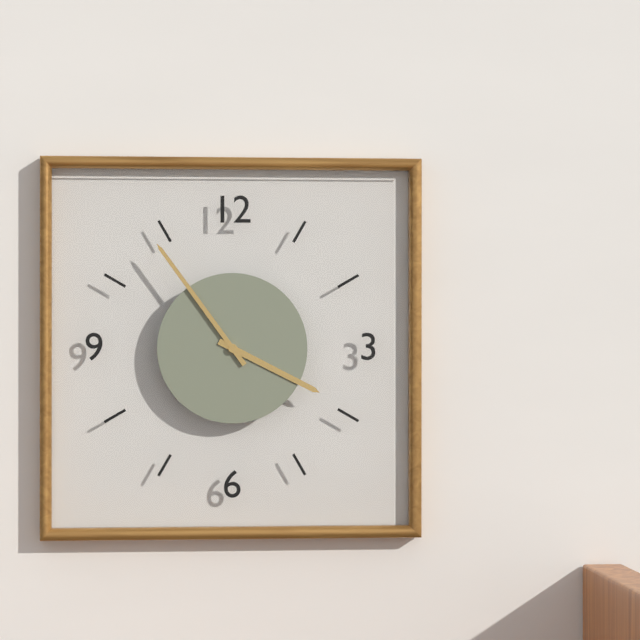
3:54
